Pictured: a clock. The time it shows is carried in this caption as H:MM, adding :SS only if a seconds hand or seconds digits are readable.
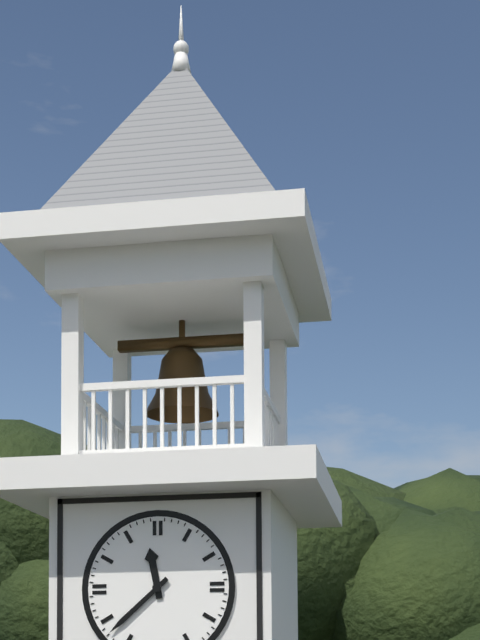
11:38
